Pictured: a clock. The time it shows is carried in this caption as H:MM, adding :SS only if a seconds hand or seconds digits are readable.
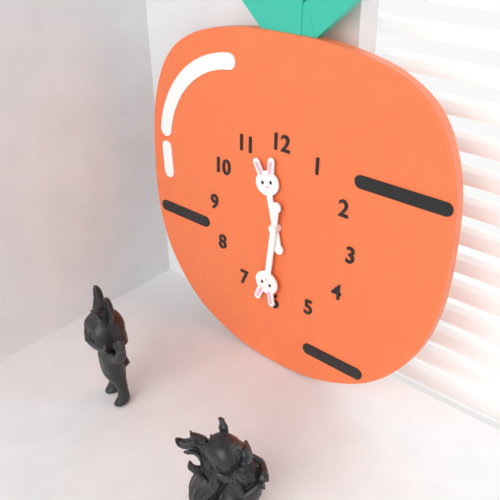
11:31
